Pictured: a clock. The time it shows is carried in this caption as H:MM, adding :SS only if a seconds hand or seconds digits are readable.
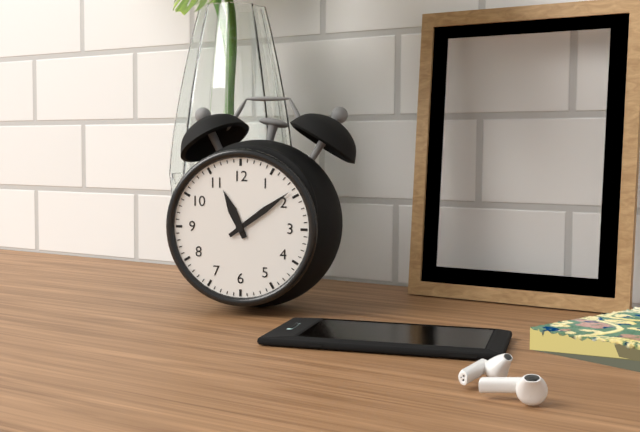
11:09
